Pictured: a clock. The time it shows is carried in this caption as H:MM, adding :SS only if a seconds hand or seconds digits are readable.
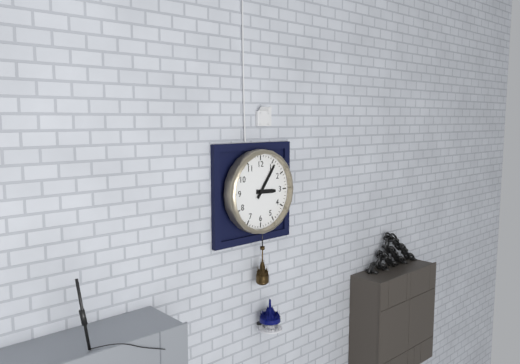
3:06
